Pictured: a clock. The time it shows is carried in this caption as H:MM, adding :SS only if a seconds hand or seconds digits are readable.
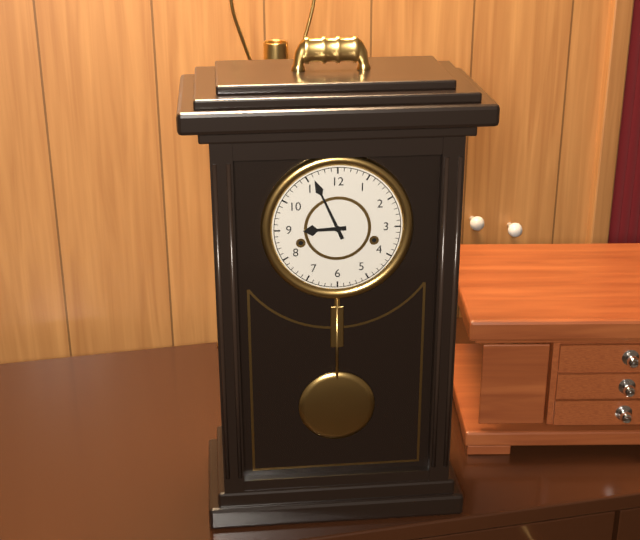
8:56
